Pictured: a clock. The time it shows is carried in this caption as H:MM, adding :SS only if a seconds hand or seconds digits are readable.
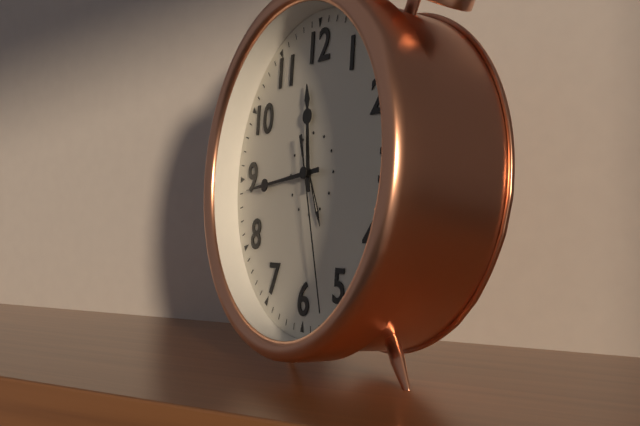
11:44:27
